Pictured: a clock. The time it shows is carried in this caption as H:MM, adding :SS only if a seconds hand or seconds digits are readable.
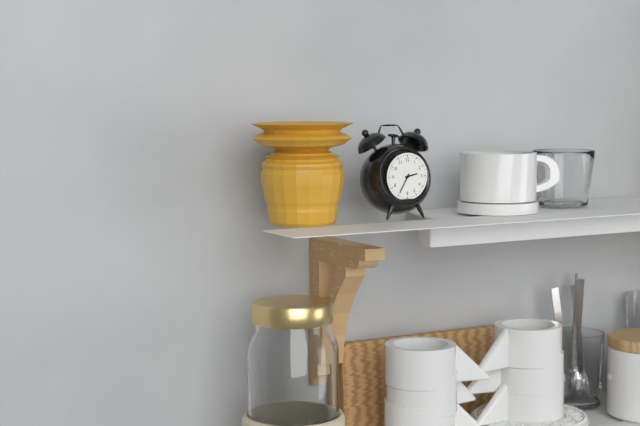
2:35
